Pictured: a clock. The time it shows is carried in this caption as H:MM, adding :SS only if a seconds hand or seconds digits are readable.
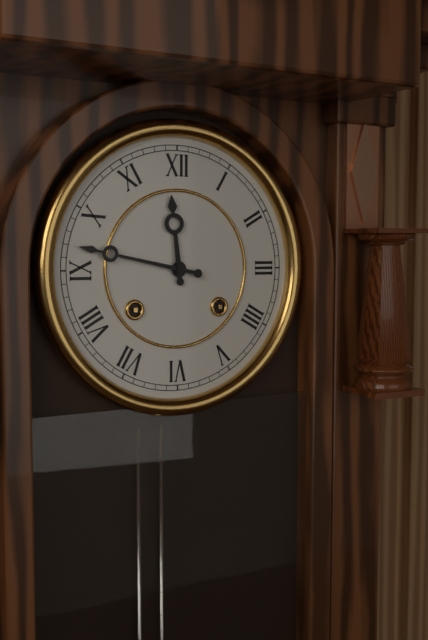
11:47
